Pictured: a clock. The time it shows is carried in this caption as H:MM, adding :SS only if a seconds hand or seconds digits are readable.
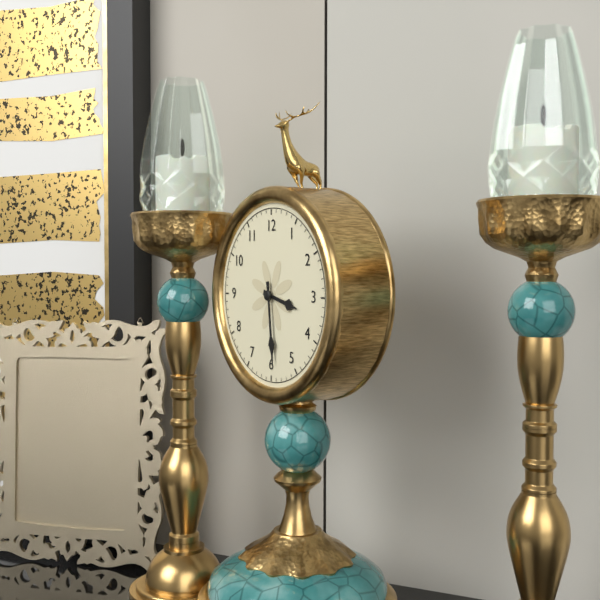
3:29
